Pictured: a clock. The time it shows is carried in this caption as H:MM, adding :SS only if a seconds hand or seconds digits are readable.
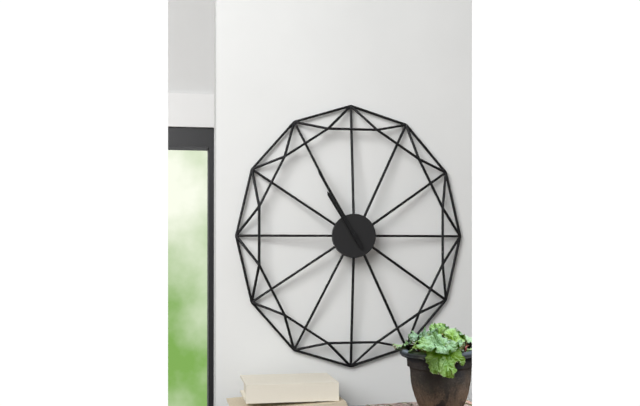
10:55
